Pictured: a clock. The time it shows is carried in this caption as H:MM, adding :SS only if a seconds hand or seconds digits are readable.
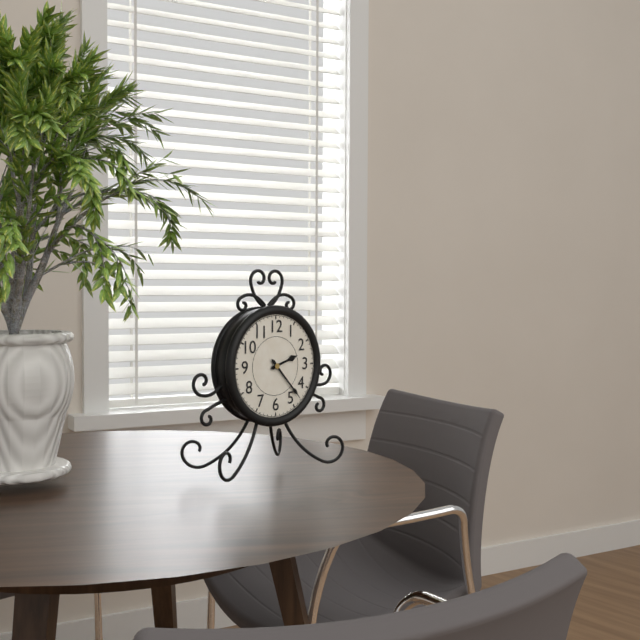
2:23
